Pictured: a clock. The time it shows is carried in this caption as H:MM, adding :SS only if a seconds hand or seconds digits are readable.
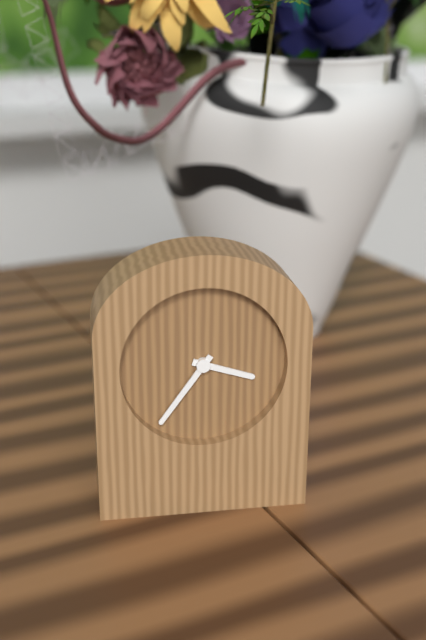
3:36
